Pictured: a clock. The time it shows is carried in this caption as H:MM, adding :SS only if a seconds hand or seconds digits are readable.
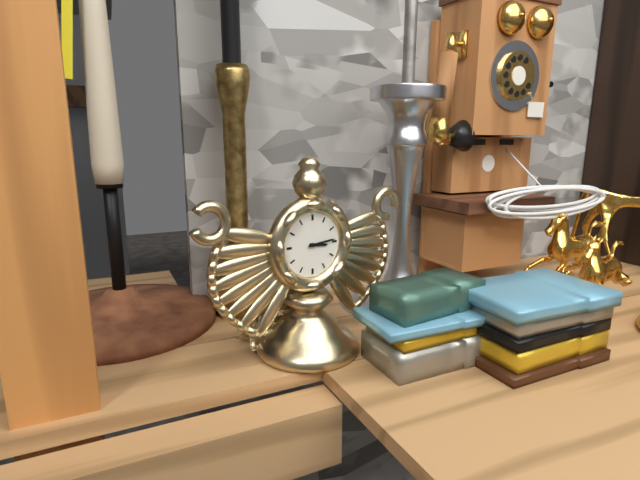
3:14
